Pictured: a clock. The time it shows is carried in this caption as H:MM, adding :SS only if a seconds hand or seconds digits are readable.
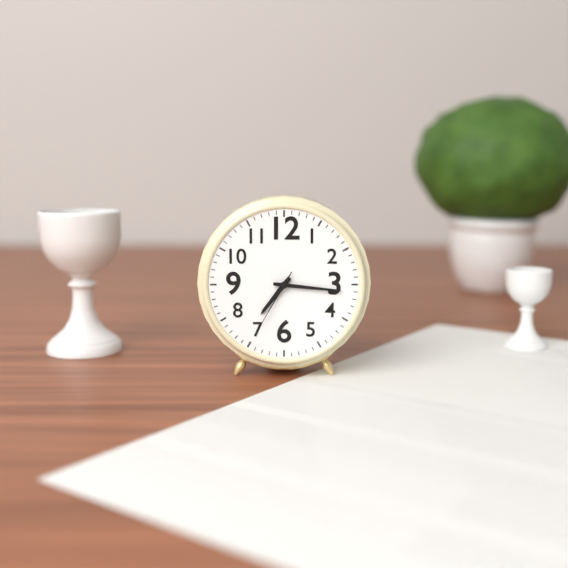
7:16:35
